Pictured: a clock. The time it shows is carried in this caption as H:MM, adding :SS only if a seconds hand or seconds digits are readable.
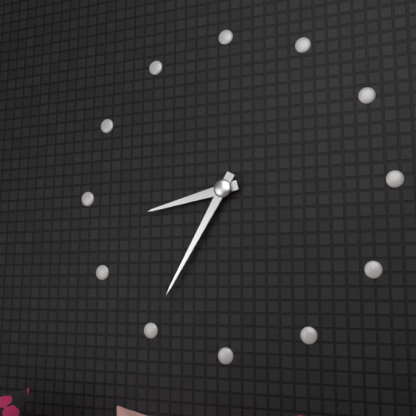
8:35
